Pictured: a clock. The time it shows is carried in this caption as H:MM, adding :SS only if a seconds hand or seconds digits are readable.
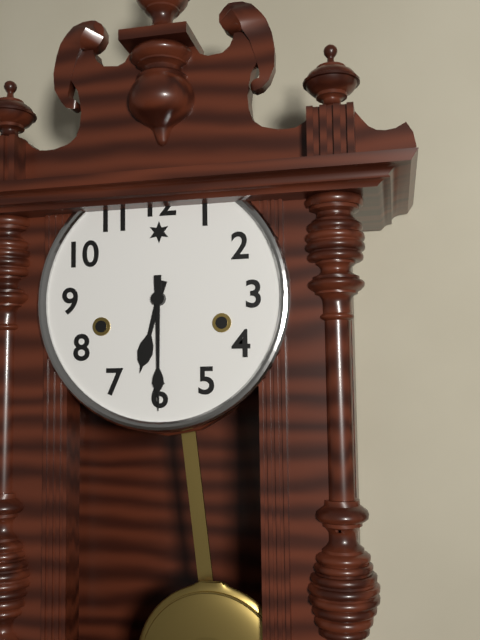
6:30
